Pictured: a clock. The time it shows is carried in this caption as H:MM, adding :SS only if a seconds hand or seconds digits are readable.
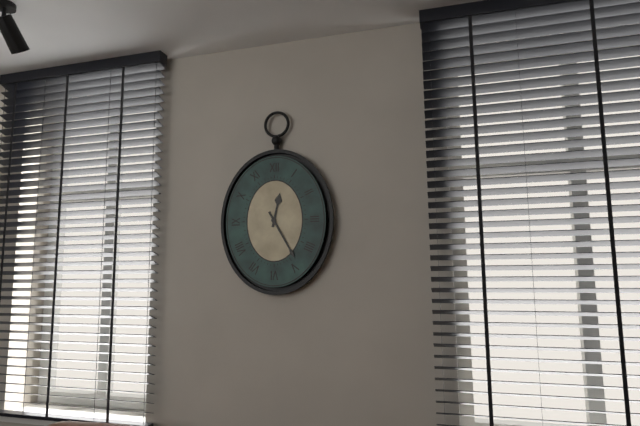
12:25
